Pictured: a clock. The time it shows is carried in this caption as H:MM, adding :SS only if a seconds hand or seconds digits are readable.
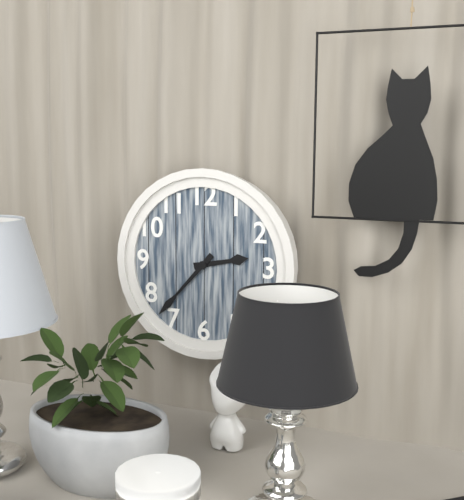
2:37
